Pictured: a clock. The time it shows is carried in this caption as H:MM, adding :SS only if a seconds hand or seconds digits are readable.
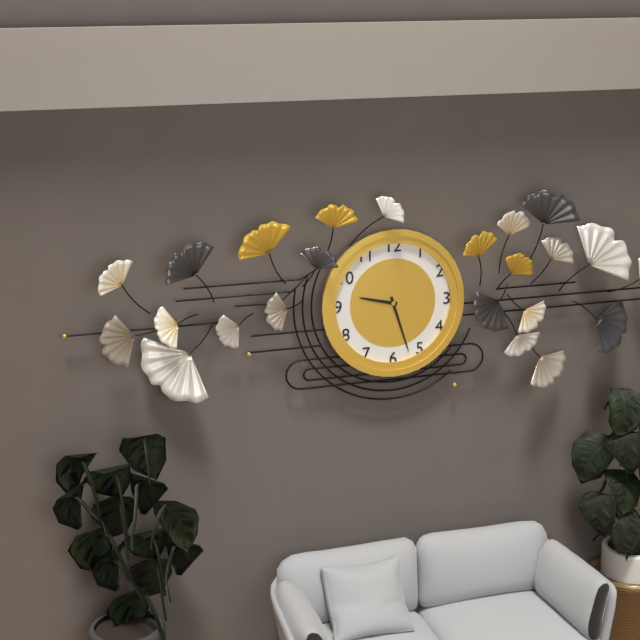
9:27
